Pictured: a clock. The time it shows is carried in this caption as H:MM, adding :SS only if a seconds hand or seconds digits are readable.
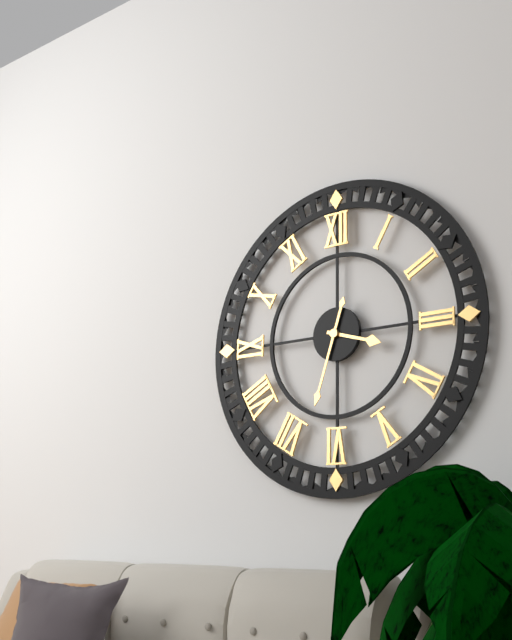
3:33
